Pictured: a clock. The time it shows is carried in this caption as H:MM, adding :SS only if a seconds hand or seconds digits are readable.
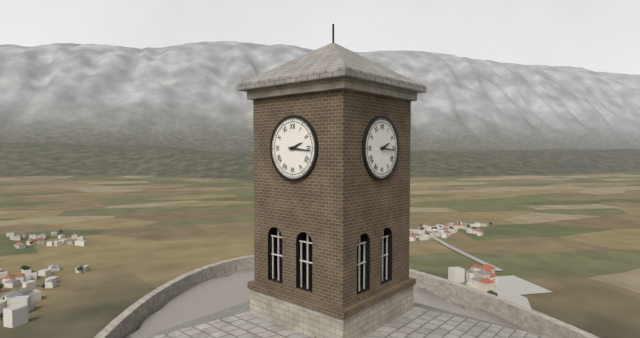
2:16
